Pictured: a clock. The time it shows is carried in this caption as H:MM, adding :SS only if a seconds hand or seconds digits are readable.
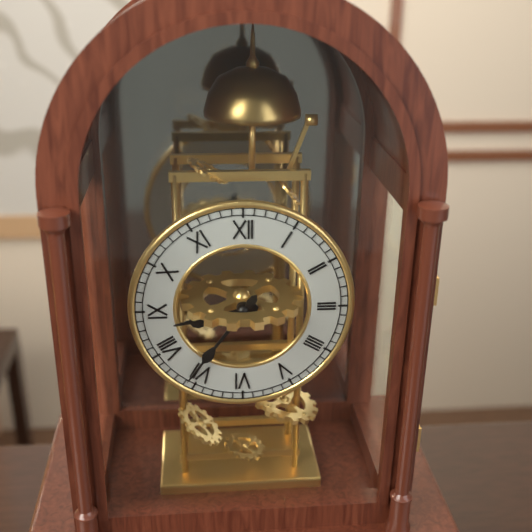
8:36
